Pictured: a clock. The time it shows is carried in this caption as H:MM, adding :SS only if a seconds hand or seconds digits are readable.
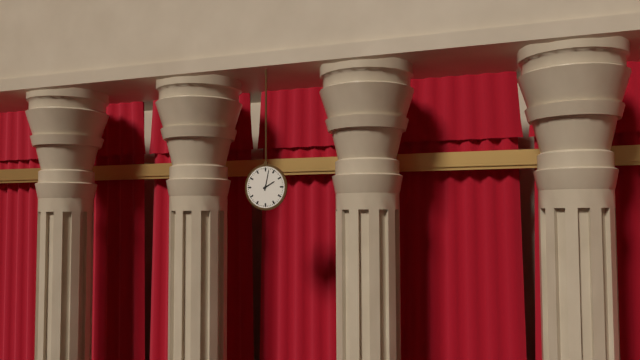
2:02
